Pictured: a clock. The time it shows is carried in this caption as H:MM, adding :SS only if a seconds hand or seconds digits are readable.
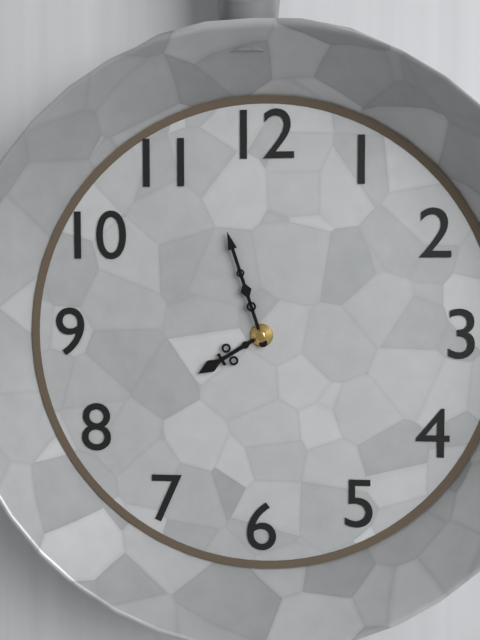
7:57
